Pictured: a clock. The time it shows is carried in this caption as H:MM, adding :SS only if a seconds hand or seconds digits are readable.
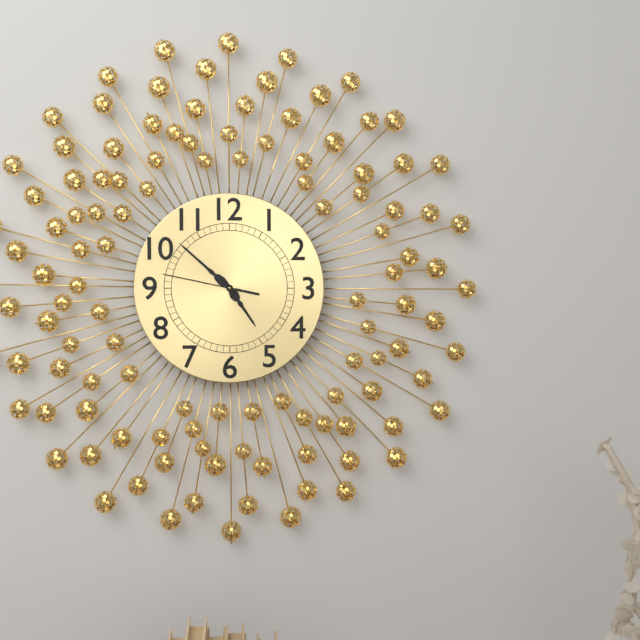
4:52:47
